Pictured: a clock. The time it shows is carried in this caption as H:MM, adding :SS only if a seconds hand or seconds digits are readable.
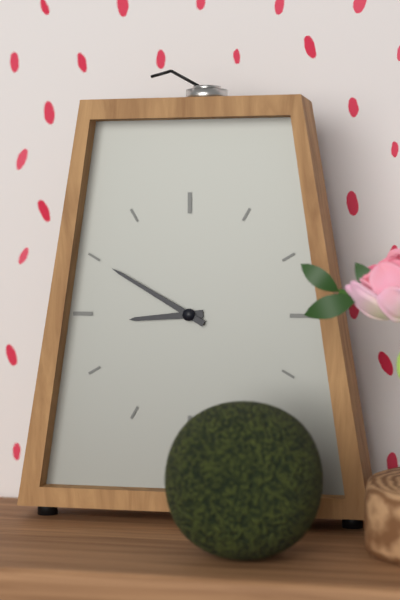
8:50
